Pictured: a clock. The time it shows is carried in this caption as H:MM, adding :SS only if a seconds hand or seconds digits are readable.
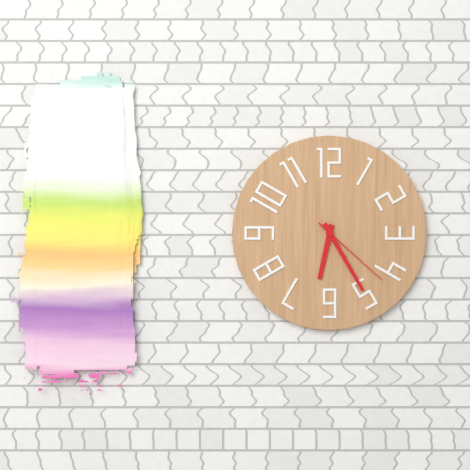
6:25:22
